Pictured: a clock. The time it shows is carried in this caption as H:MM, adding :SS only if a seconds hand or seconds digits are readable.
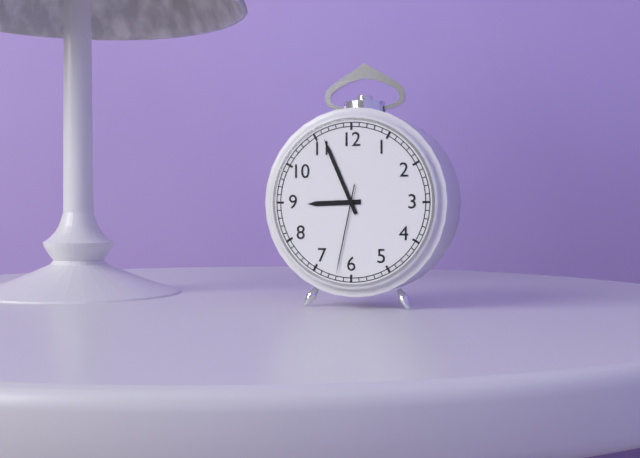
8:56:32
